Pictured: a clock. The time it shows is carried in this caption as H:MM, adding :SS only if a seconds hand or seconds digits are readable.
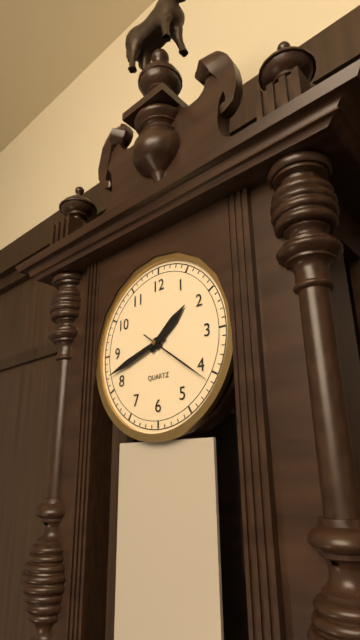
1:42:21
